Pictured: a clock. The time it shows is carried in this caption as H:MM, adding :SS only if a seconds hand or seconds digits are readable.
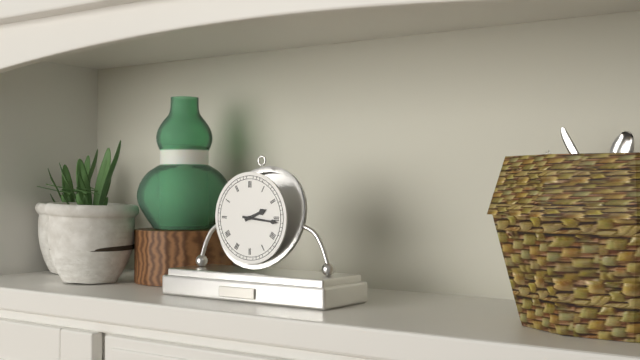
2:16
